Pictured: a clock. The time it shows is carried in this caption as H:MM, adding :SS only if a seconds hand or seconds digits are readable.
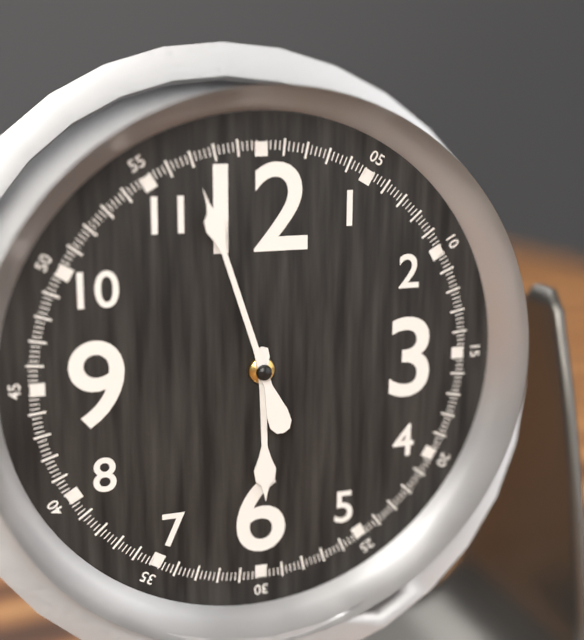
5:57
